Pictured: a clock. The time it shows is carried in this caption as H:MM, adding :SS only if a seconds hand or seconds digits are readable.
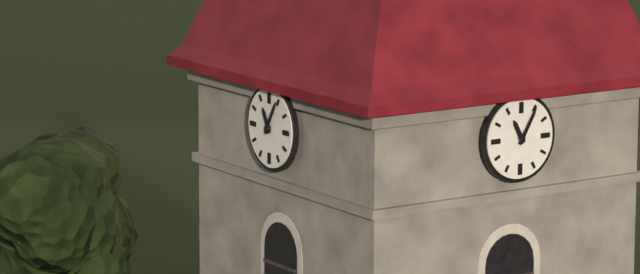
11:05
